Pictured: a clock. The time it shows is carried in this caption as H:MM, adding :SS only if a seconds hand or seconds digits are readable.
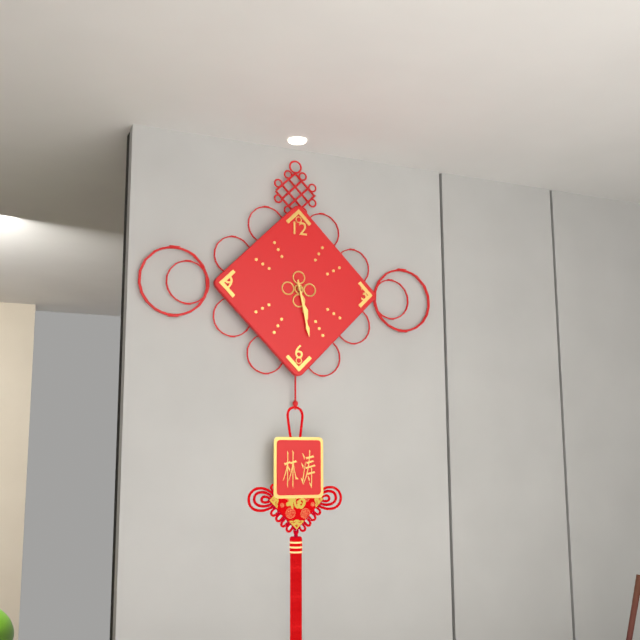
5:28
